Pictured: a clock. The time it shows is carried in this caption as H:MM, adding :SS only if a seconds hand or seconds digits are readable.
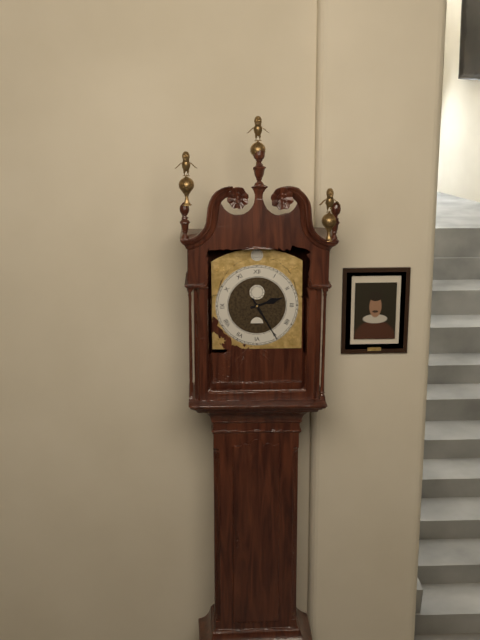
2:25
